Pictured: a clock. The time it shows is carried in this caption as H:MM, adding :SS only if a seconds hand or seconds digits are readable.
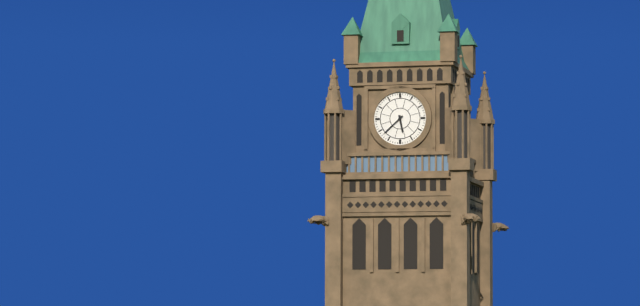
5:38
